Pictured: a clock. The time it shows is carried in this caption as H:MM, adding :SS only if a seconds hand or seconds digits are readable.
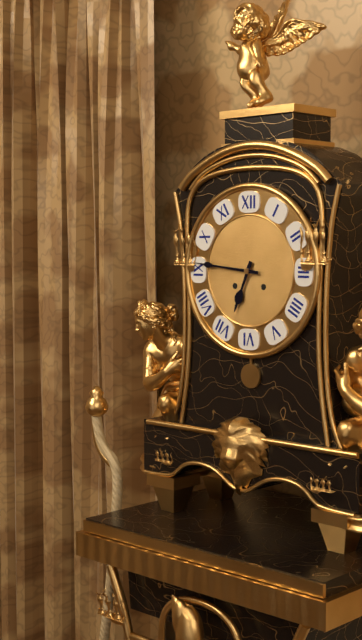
6:46
